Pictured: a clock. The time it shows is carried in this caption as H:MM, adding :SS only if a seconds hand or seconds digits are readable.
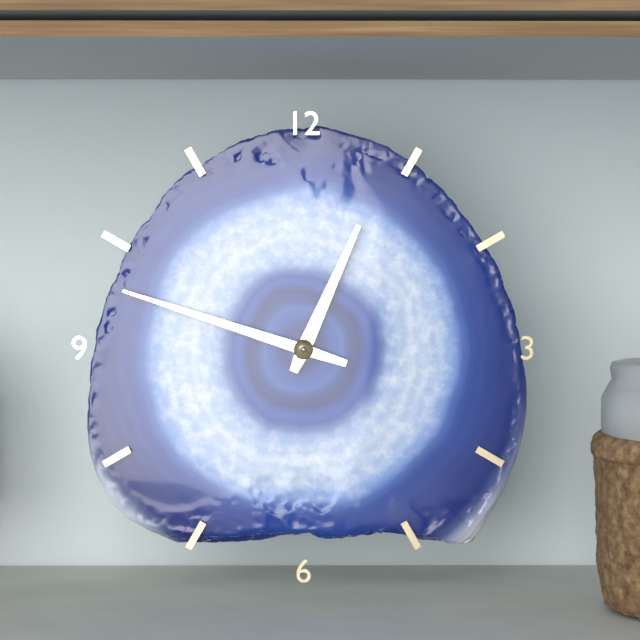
12:48
